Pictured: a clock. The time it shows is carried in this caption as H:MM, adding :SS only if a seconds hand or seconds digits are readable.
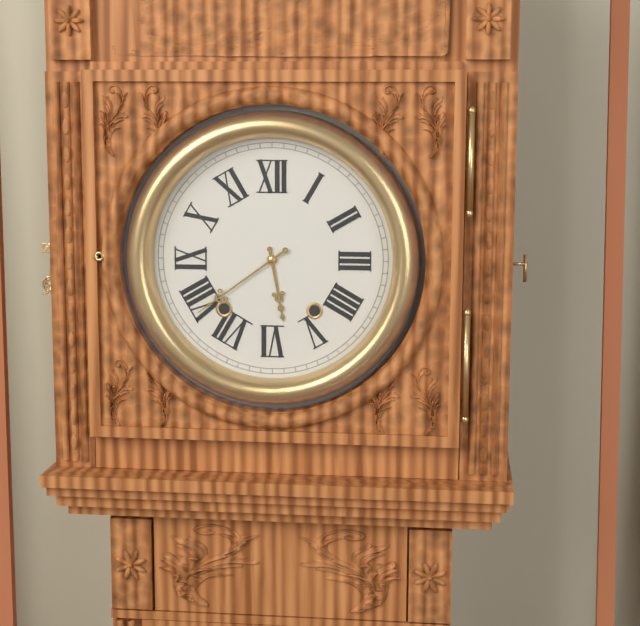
5:39
